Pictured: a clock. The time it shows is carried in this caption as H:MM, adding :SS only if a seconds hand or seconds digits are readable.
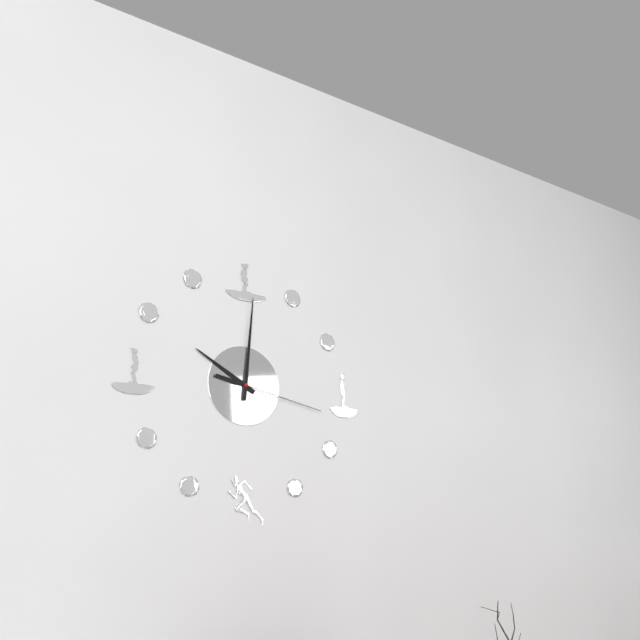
10:01:17
